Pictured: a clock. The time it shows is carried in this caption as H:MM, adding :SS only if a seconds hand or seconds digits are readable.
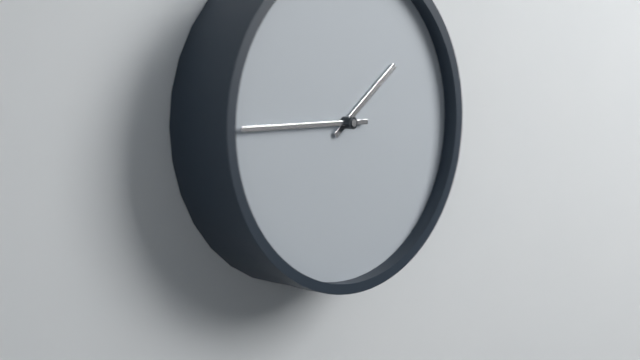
1:45
